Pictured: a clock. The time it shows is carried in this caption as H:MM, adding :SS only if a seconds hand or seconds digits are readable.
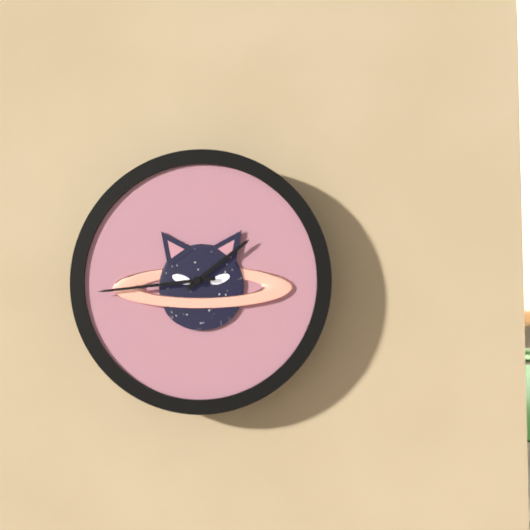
1:44
